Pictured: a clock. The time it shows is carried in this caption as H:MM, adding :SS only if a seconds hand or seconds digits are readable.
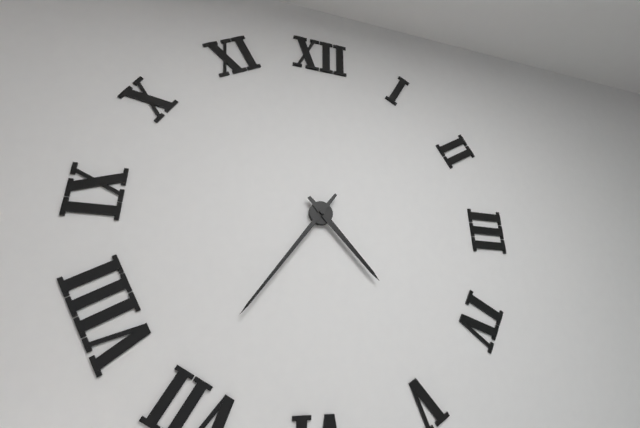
4:36
